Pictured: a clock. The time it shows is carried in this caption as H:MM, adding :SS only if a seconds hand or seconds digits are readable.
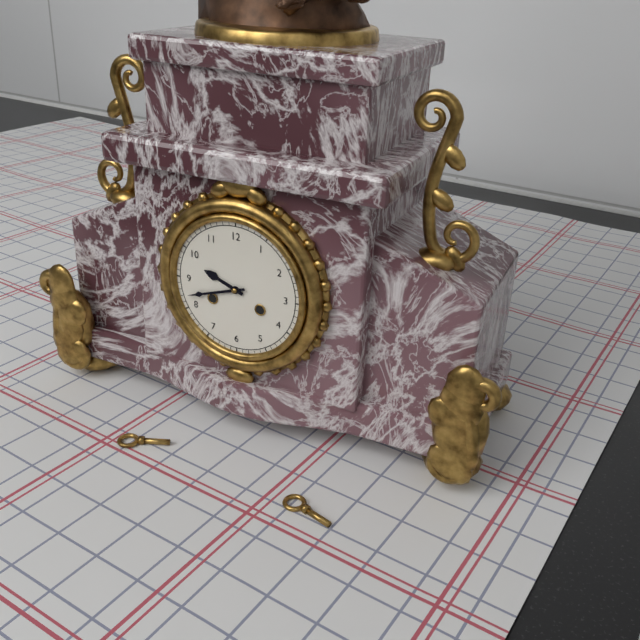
9:42
